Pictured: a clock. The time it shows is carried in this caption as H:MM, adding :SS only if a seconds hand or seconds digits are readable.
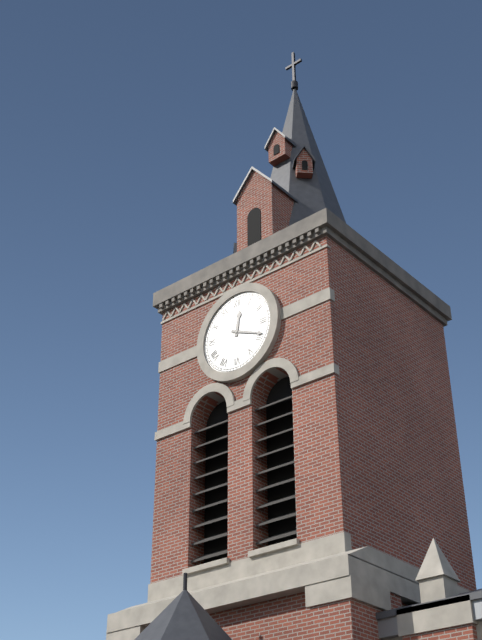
12:19
